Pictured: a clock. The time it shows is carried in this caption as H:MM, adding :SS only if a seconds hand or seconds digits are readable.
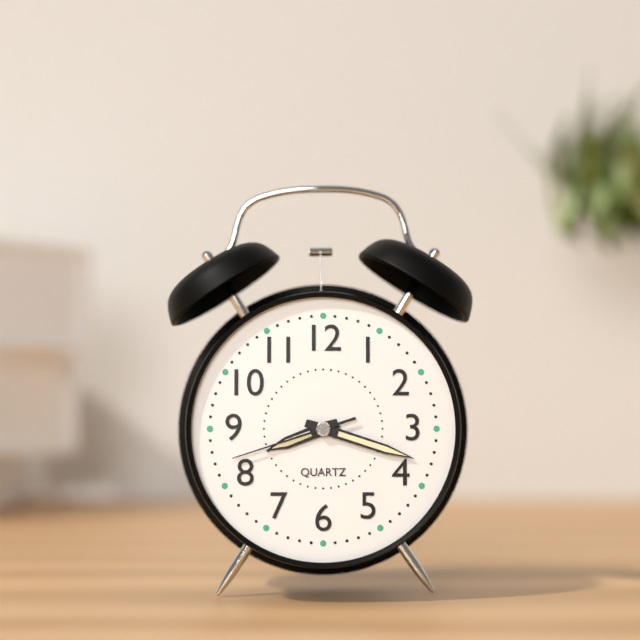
8:18:42
